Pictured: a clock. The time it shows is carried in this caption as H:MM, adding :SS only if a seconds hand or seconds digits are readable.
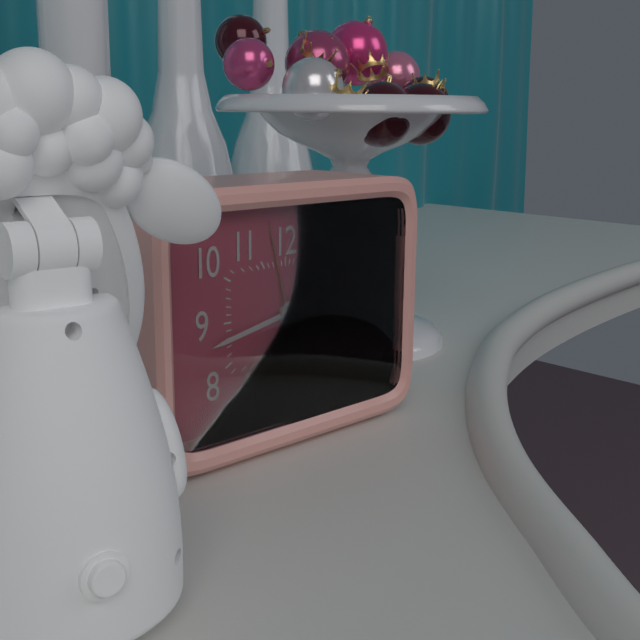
3:43
